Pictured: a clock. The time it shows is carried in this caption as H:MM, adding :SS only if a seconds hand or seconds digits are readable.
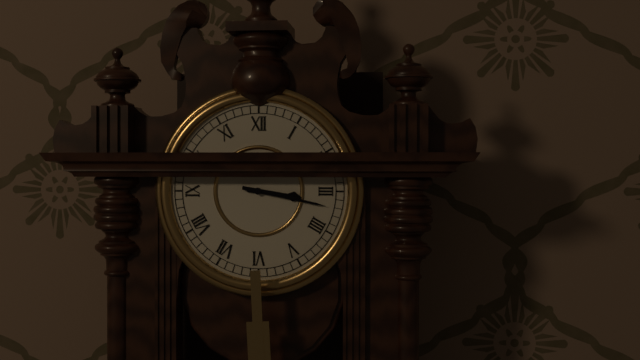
3:17
